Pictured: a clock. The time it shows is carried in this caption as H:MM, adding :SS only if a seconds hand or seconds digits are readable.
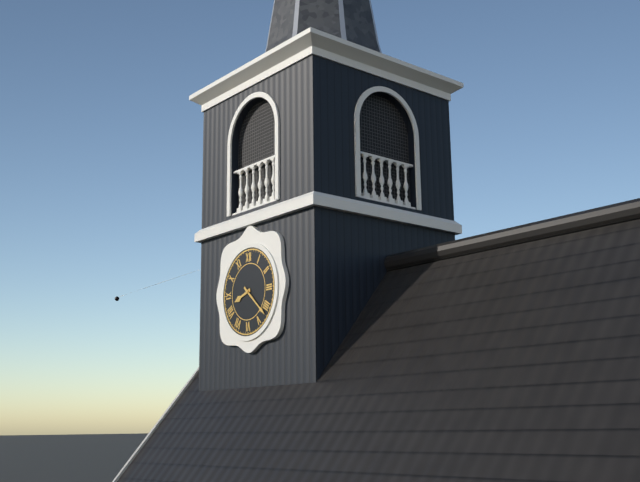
8:22
